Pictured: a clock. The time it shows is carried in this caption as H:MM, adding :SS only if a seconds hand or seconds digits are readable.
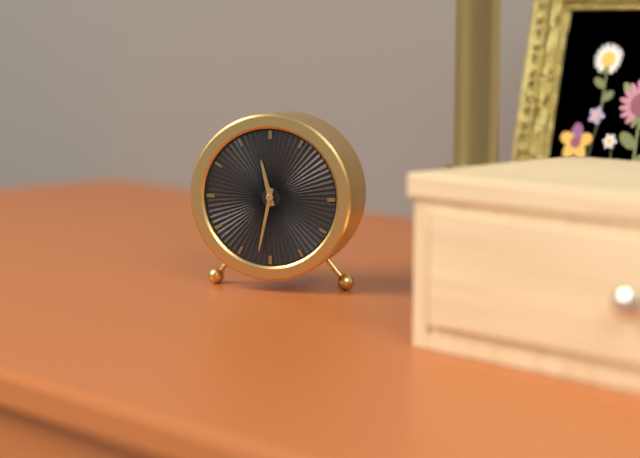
11:32
